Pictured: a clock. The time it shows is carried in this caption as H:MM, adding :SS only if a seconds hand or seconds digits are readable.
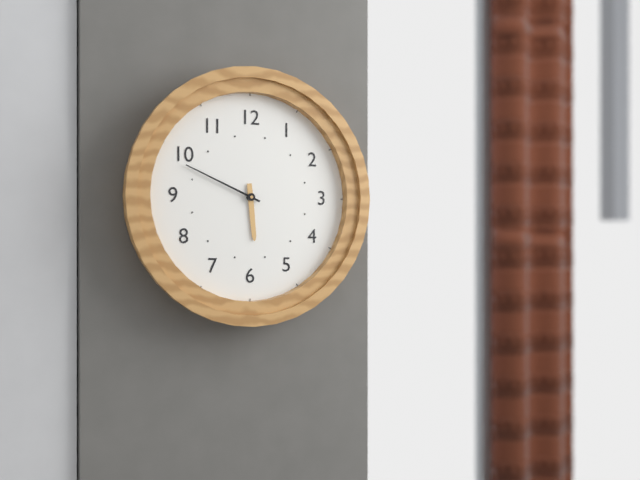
5:49
